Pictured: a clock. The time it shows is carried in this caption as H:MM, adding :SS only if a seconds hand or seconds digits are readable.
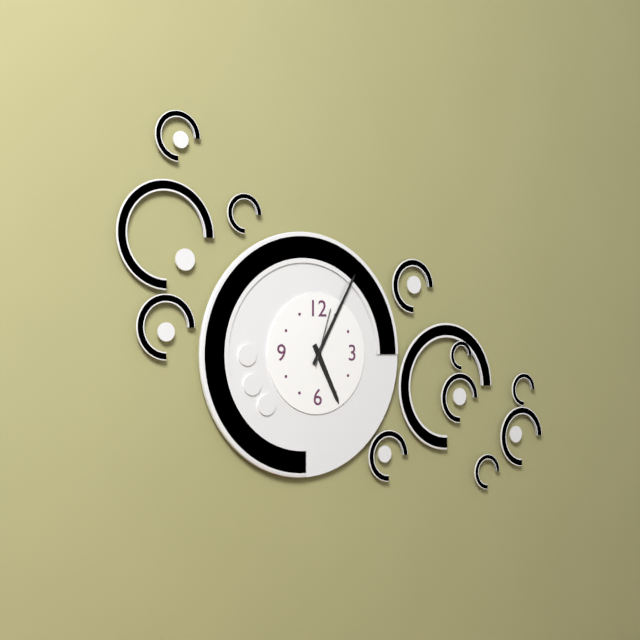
5:05:03
